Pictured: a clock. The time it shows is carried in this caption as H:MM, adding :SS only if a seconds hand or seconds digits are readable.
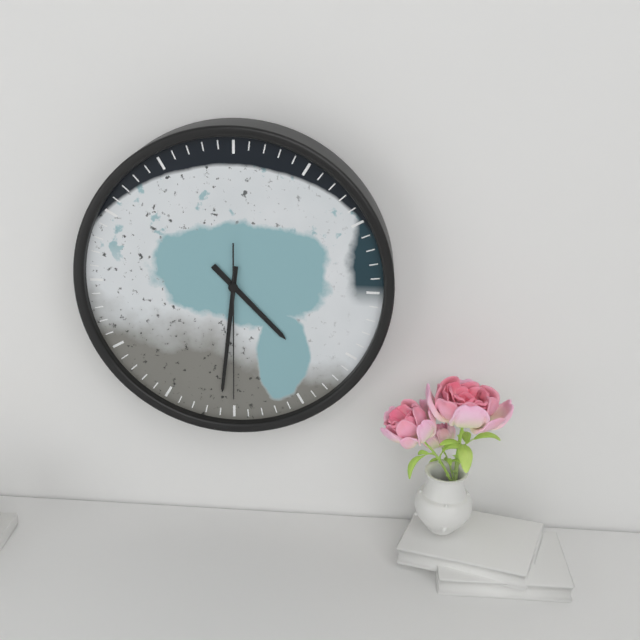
4:31:30
